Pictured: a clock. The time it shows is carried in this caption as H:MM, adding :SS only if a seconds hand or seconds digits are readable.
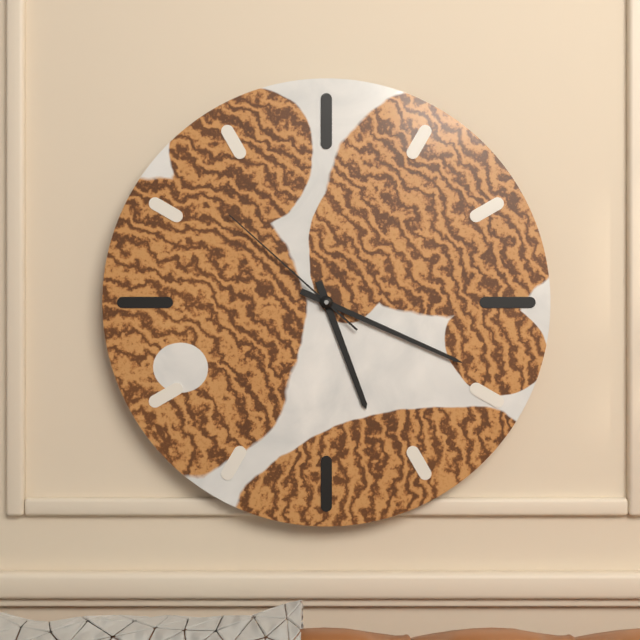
5:19:52
